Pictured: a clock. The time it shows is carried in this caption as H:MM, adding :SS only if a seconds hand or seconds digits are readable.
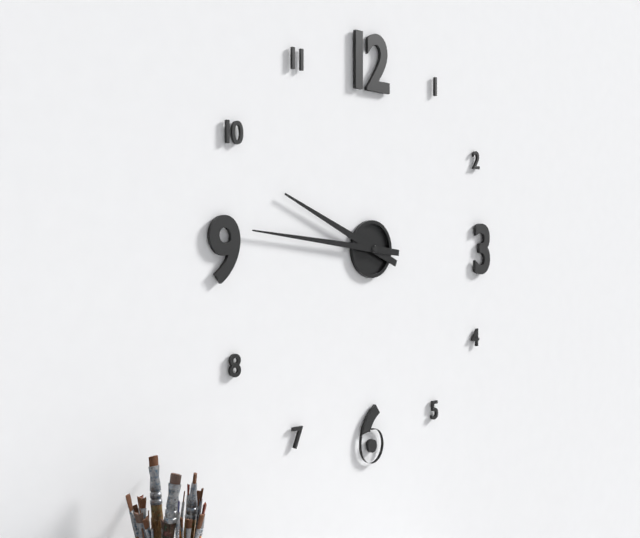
9:46
